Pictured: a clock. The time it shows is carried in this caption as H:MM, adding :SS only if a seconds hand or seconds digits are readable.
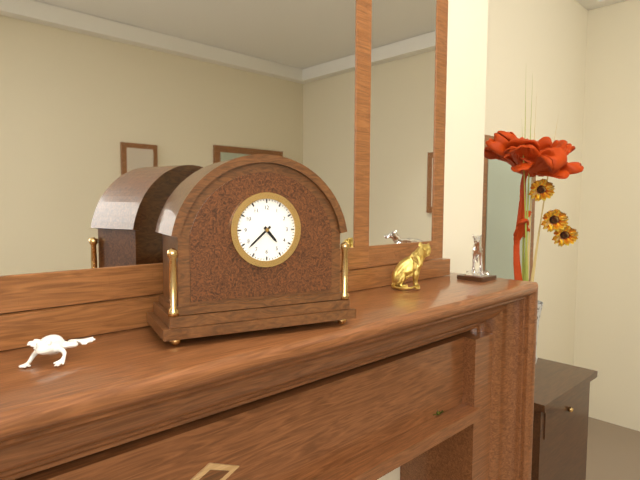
4:38
